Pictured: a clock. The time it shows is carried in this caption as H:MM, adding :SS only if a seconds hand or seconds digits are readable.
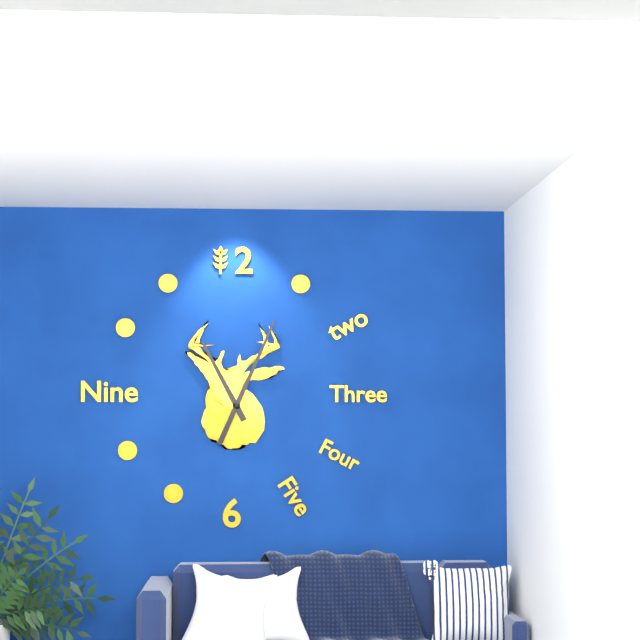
11:04
